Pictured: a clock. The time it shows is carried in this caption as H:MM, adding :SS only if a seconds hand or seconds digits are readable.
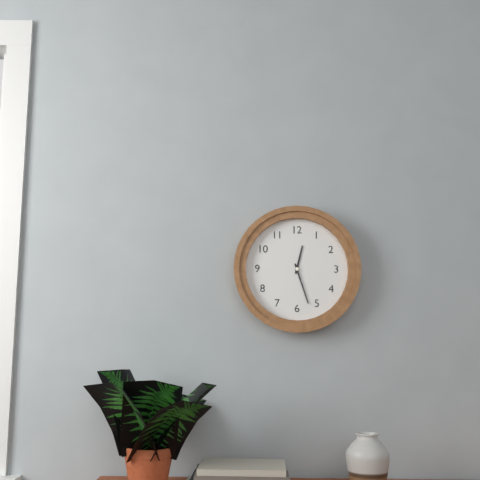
12:27
